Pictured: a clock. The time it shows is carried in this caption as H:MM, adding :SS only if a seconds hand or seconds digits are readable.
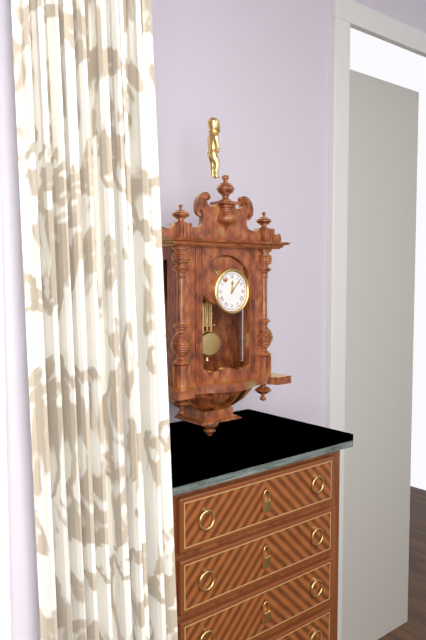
12:07
